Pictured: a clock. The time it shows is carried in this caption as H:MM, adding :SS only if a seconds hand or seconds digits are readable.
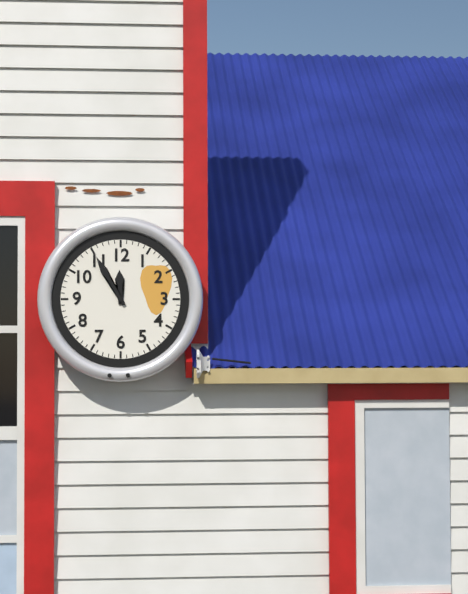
11:55
